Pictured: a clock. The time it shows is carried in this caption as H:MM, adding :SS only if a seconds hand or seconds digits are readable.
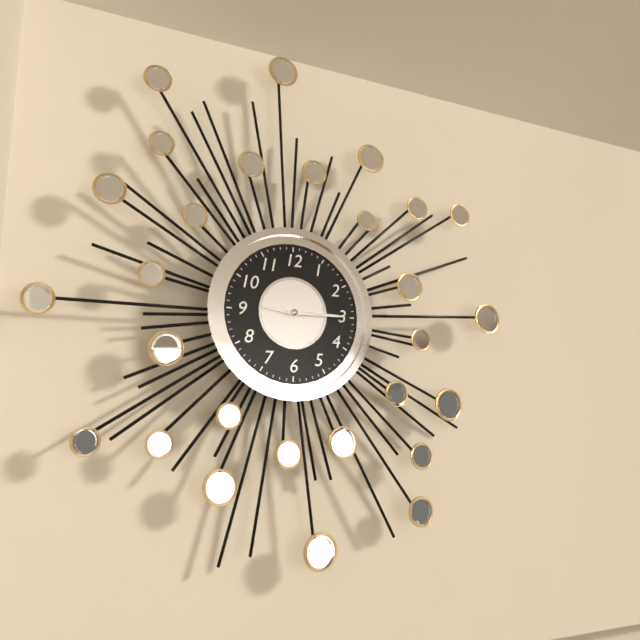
9:15
